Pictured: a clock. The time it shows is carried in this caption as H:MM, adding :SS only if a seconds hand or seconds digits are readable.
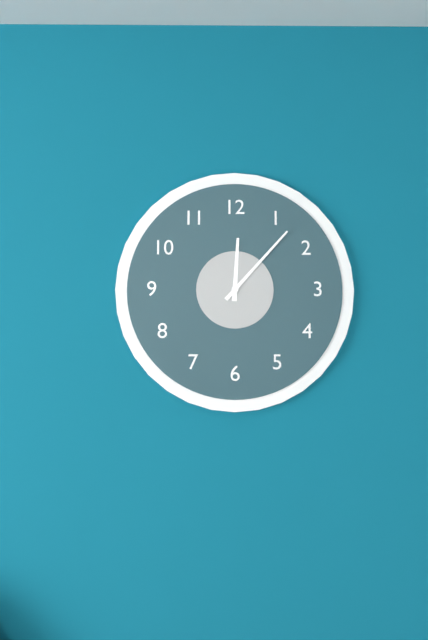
12:07
